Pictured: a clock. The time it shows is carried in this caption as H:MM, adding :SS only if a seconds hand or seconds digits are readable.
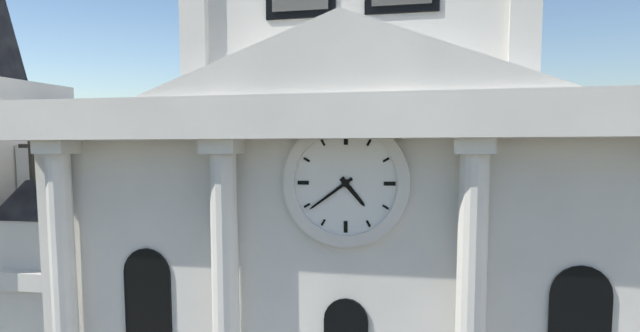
4:39
